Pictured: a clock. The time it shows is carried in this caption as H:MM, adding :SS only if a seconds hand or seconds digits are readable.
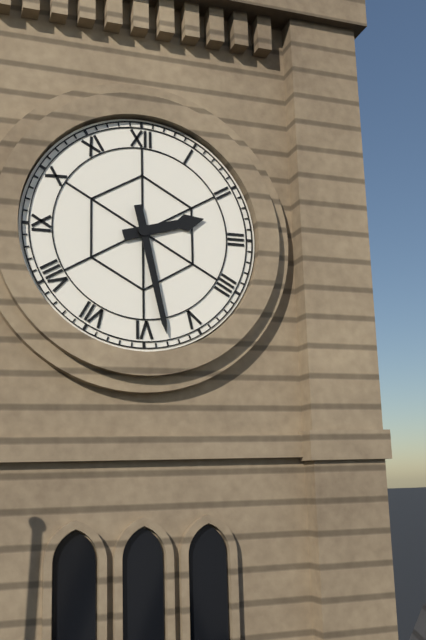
2:28
